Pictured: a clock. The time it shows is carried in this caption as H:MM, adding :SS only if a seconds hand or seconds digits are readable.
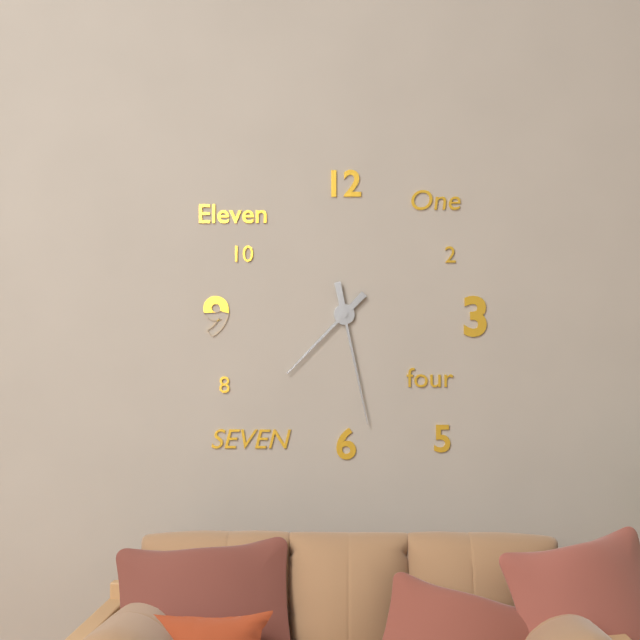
7:28
